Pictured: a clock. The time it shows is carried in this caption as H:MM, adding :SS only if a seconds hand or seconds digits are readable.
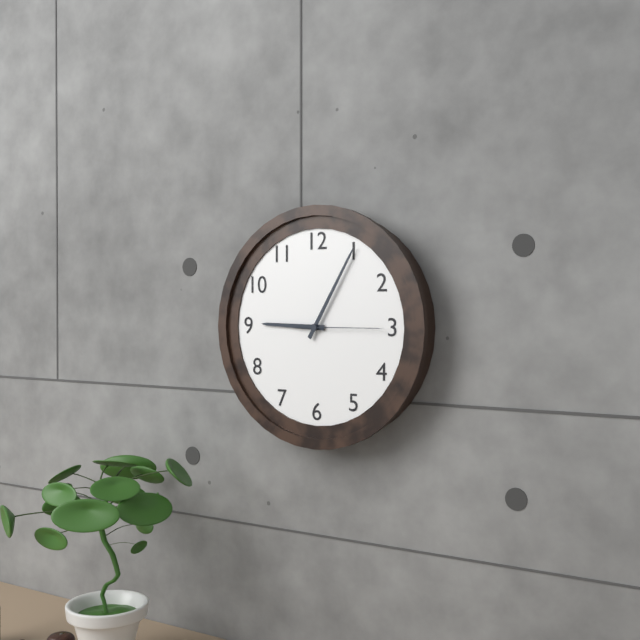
9:05:15
